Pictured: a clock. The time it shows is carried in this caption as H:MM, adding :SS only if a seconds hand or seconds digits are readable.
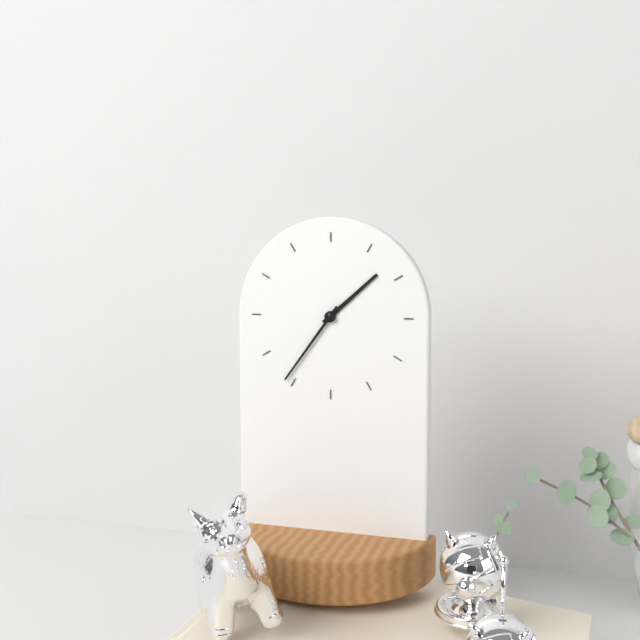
1:36
